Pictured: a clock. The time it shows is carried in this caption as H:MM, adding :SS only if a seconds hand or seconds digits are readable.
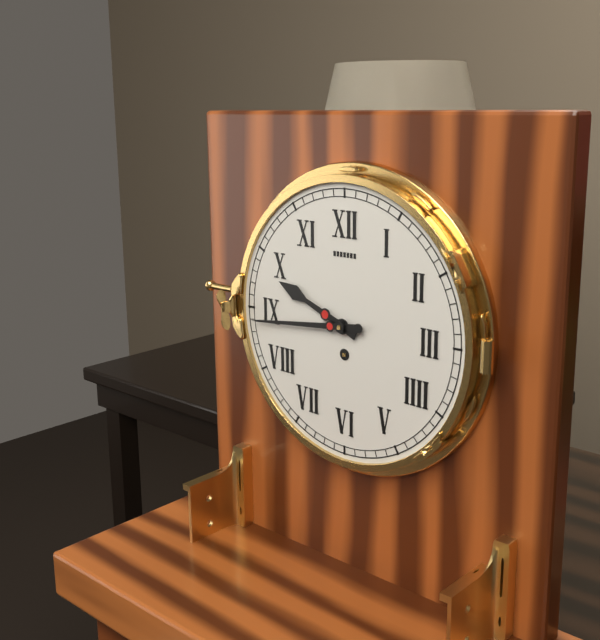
9:44
